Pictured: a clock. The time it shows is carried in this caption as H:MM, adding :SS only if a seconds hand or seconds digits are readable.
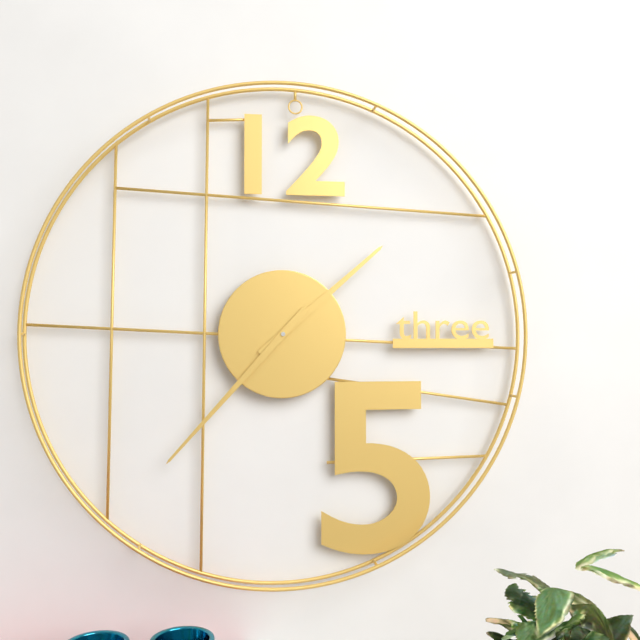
1:37
